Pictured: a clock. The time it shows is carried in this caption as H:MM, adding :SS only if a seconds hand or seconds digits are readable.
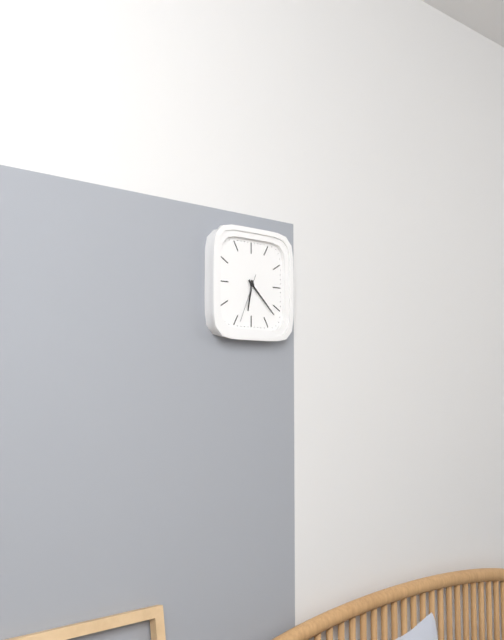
6:22
